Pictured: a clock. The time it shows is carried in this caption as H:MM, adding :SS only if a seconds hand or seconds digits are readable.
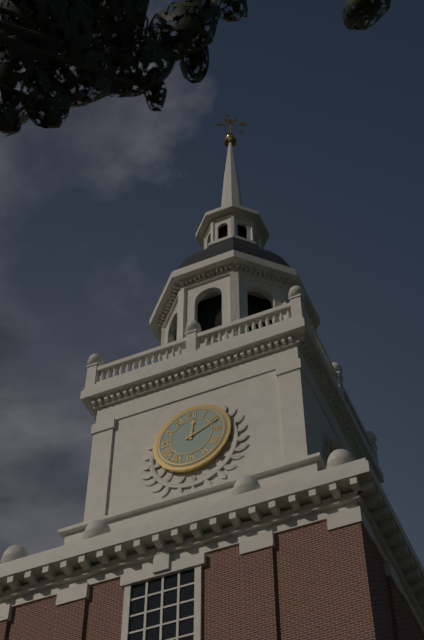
12:11
